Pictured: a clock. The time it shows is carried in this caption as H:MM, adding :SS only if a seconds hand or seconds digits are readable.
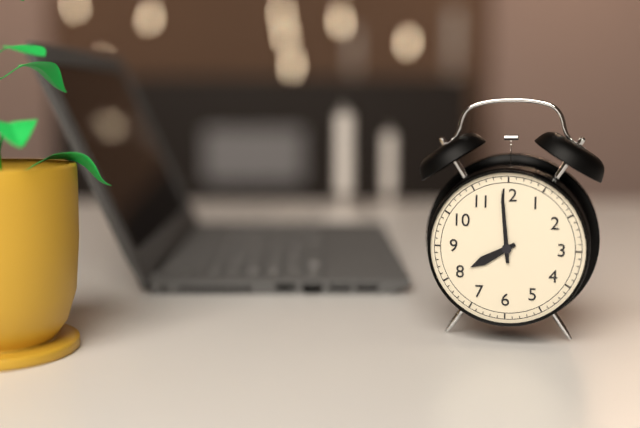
7:59
